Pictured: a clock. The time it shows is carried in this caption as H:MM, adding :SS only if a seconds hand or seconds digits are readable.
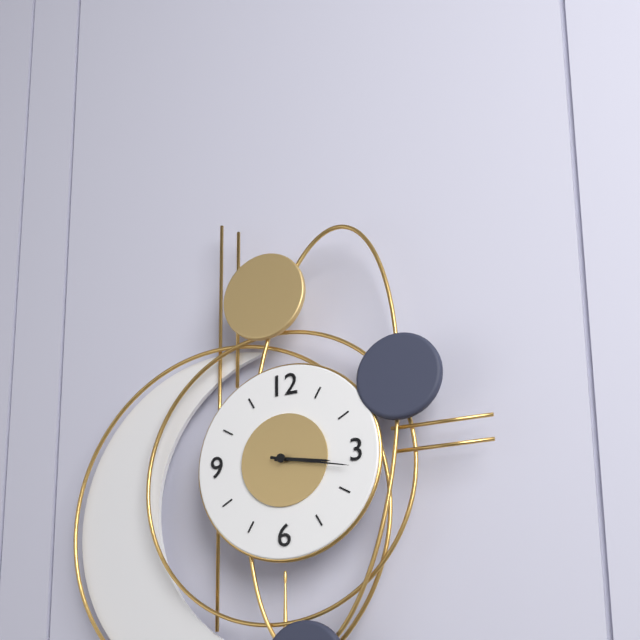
3:17
